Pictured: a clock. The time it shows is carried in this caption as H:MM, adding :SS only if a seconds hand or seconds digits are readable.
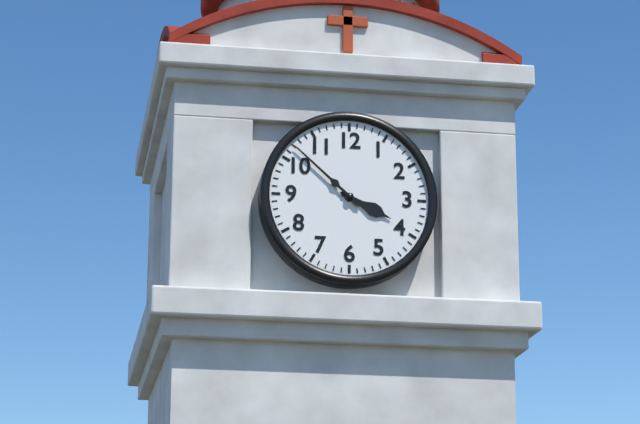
3:52
